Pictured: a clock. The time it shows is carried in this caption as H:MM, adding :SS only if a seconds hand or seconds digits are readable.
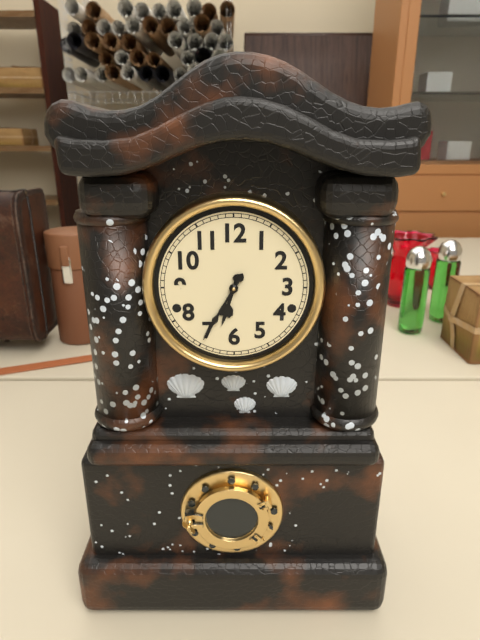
6:35
